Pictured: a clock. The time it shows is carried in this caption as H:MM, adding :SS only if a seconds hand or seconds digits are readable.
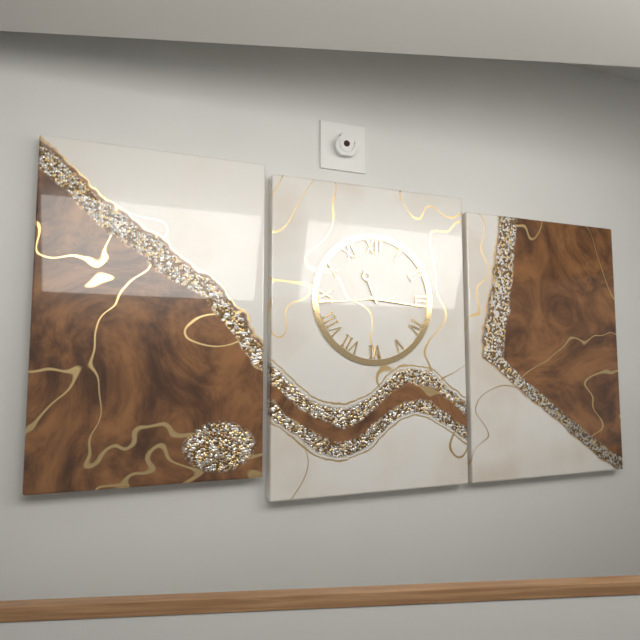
11:16:44
